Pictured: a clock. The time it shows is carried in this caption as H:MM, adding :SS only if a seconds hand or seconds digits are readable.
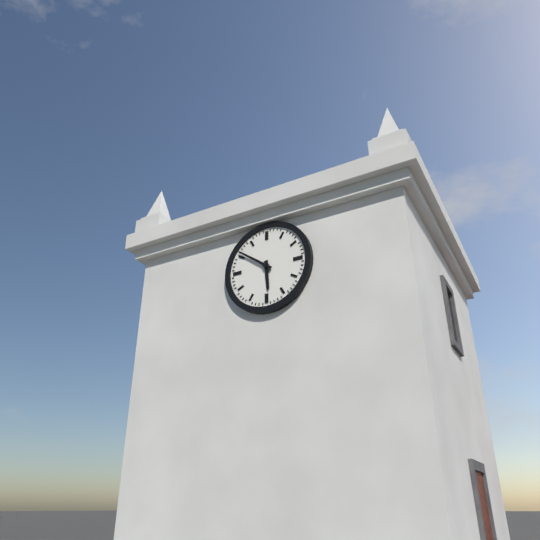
5:51
